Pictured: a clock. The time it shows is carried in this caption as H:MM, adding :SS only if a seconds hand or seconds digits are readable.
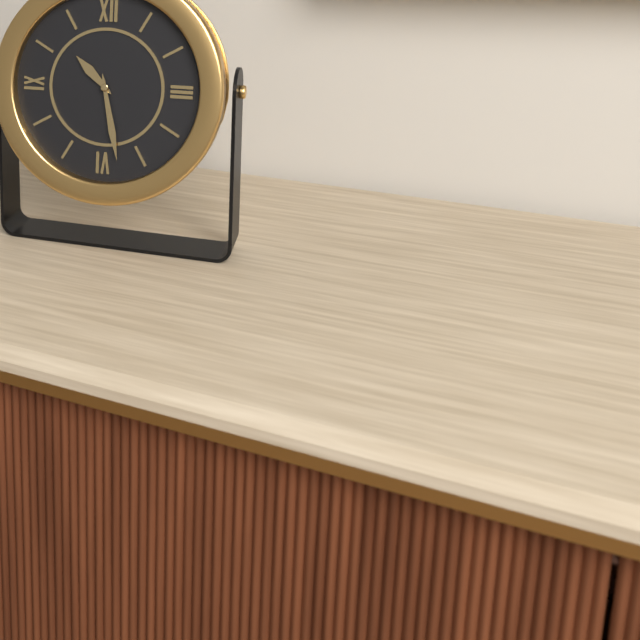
10:28
